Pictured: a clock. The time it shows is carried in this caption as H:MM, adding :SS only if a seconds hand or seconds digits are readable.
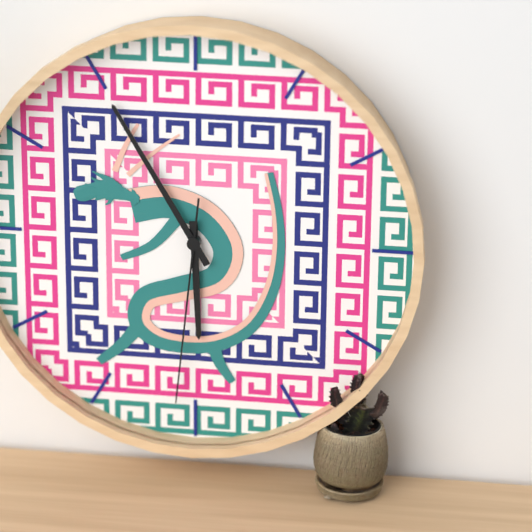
5:55:31
